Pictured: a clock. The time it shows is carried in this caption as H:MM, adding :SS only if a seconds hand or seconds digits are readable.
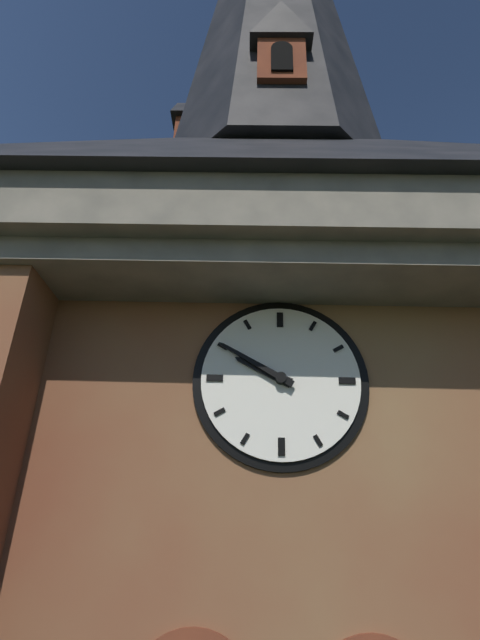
9:50
